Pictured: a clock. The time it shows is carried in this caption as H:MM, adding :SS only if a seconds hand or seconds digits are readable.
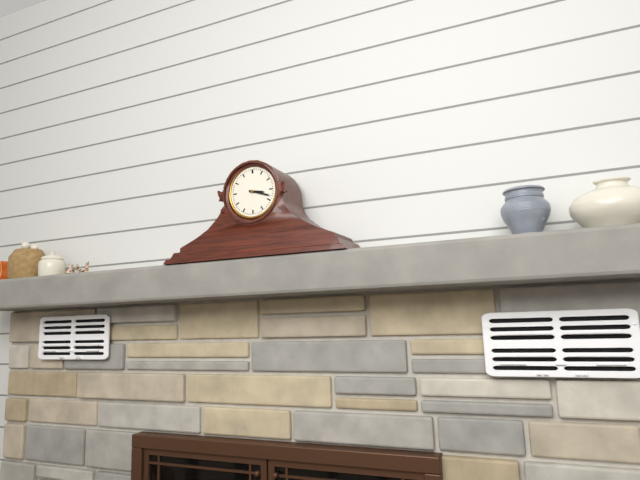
3:18
